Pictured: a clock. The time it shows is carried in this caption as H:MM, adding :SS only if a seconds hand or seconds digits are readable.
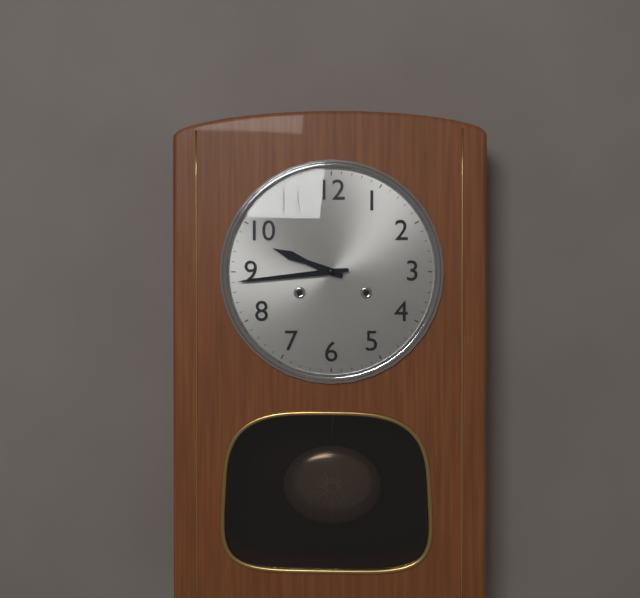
9:44
